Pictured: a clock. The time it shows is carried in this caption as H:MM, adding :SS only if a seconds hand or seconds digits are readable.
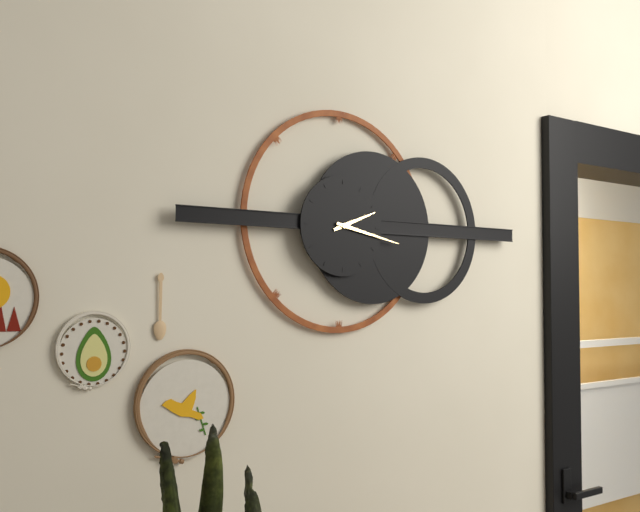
2:17
